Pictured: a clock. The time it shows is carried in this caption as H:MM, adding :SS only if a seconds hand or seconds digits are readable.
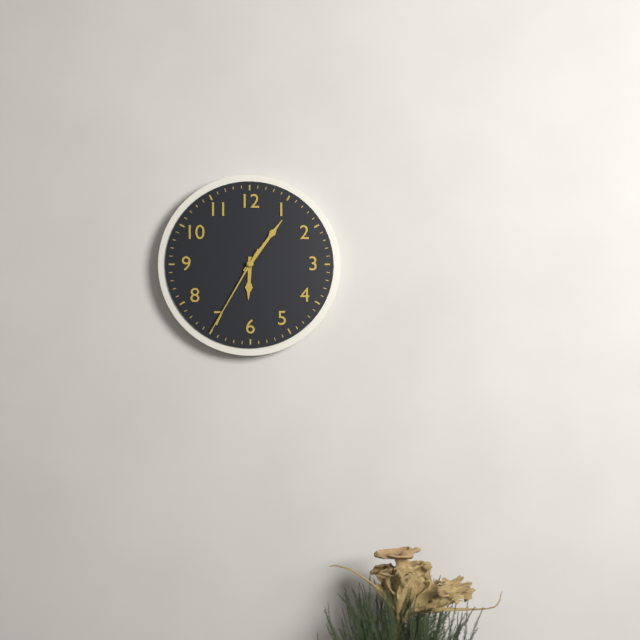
6:06:35
